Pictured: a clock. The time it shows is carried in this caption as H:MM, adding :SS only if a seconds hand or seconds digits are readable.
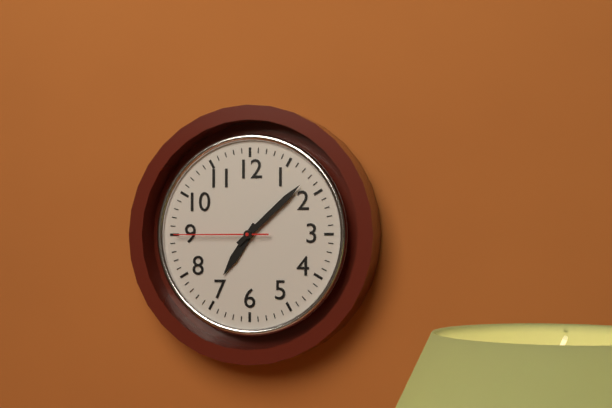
7:08:45
